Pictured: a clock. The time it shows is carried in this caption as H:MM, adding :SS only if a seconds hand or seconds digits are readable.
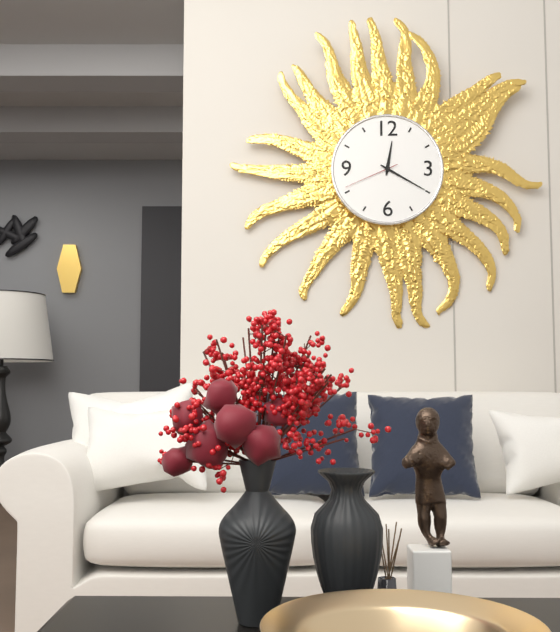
12:20:41
